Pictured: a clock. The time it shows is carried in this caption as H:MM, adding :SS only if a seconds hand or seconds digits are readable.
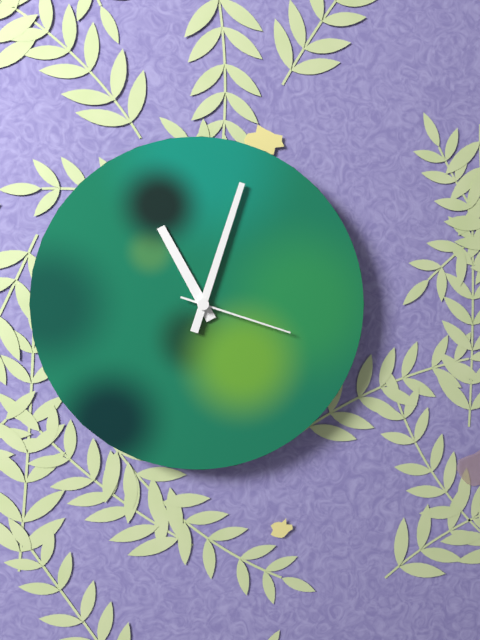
11:03:18
